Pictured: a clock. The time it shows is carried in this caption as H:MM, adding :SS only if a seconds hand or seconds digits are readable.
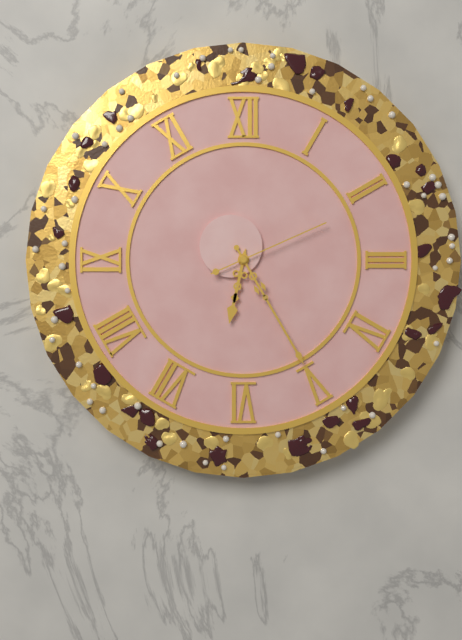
6:25:11
